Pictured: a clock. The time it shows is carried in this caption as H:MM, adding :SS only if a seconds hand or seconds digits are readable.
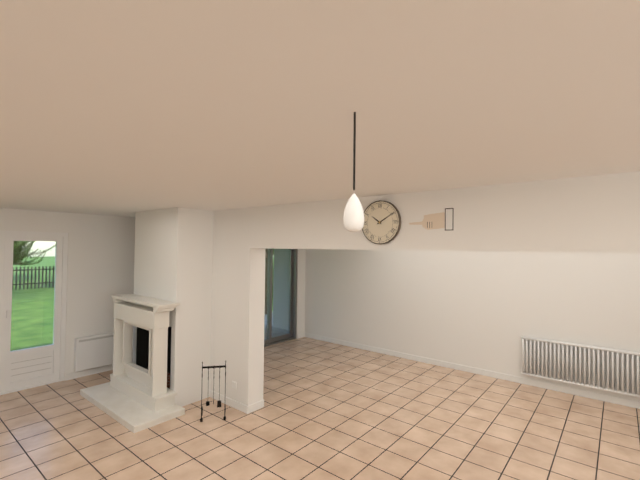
10:10
